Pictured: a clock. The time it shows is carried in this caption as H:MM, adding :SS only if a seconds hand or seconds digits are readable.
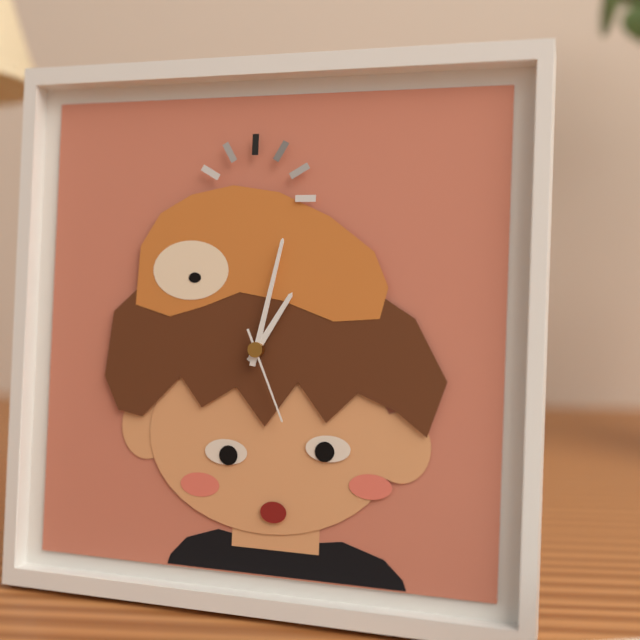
1:02:26
